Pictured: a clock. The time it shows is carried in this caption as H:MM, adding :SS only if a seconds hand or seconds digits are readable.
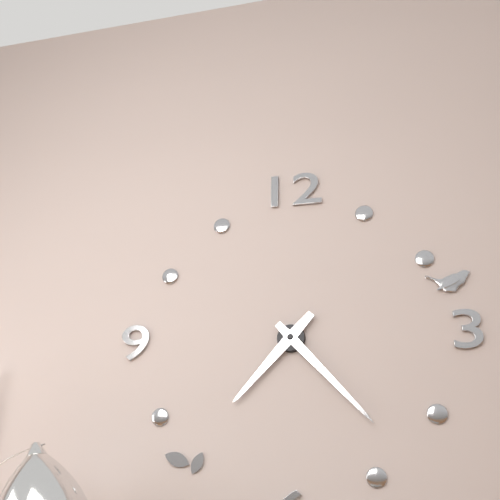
7:23
